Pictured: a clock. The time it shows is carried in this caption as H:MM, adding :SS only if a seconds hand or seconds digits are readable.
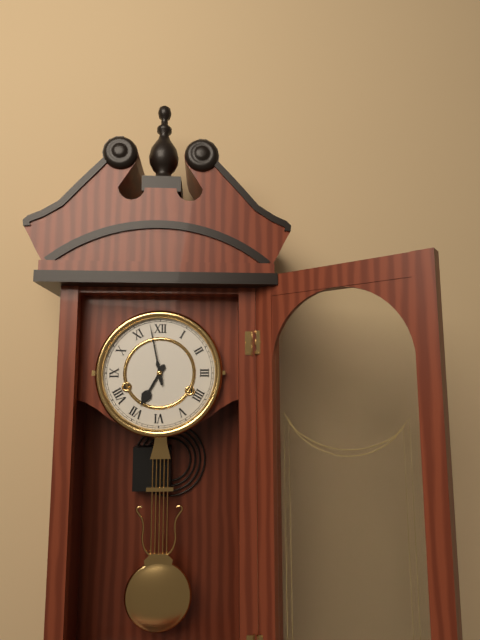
6:58
